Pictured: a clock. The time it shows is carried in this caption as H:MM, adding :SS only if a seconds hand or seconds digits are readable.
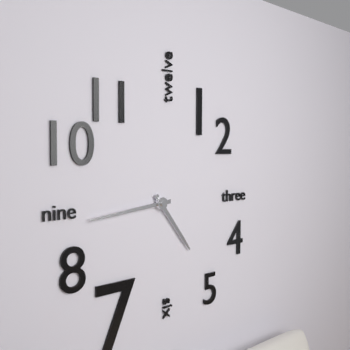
4:44
